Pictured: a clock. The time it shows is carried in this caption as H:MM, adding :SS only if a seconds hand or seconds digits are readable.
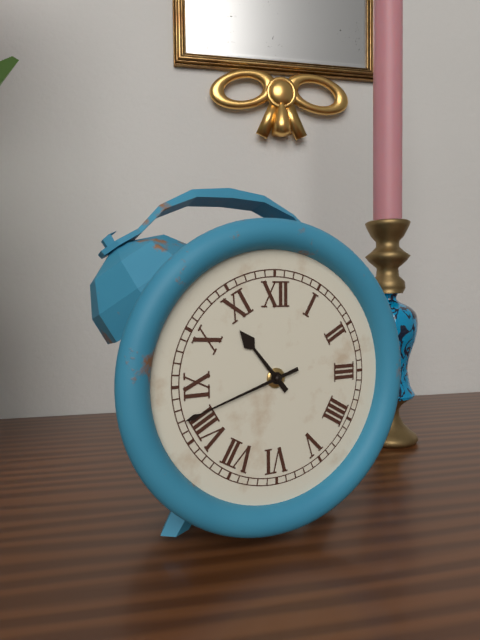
10:42
